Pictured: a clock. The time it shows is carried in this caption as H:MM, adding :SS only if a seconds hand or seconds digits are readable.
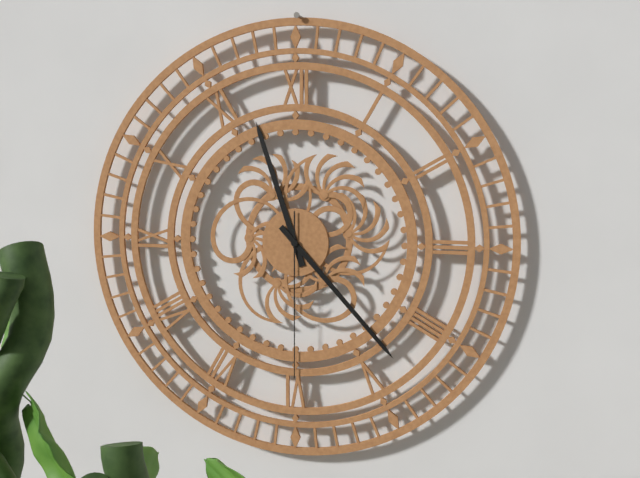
11:23:30
